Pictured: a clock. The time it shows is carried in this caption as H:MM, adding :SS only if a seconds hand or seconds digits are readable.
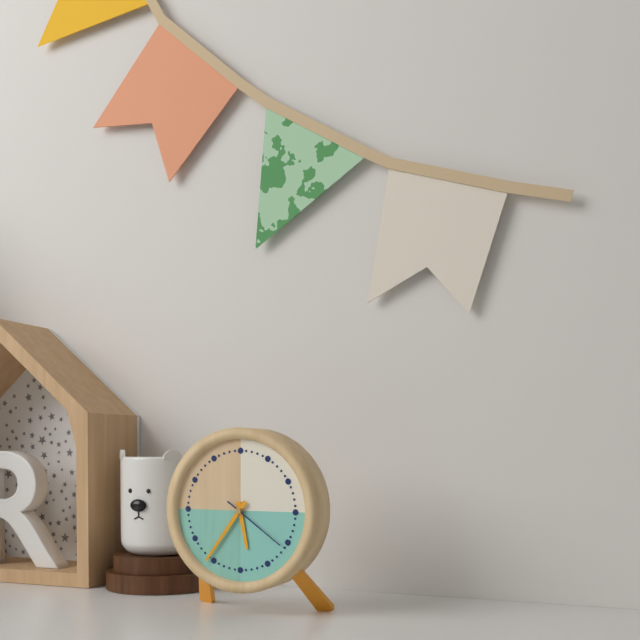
5:36:21
